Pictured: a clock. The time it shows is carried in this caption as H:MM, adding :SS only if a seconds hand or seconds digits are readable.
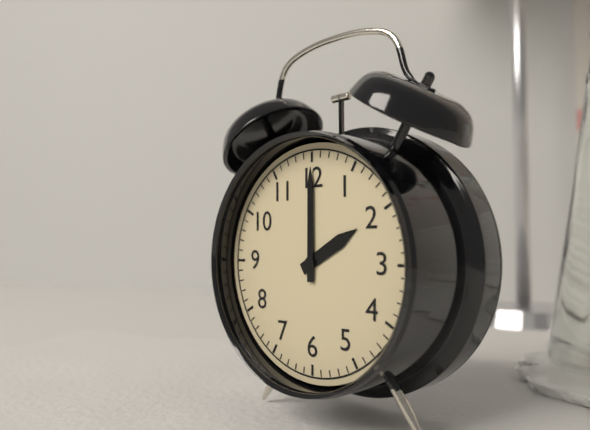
2:00
